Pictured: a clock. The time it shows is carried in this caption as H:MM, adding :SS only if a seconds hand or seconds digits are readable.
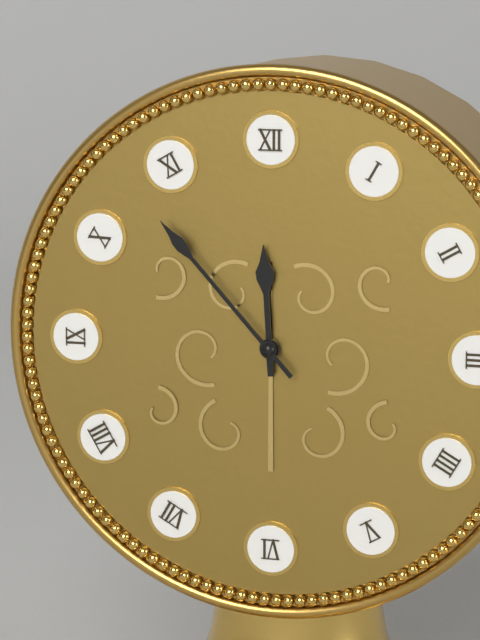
11:53
